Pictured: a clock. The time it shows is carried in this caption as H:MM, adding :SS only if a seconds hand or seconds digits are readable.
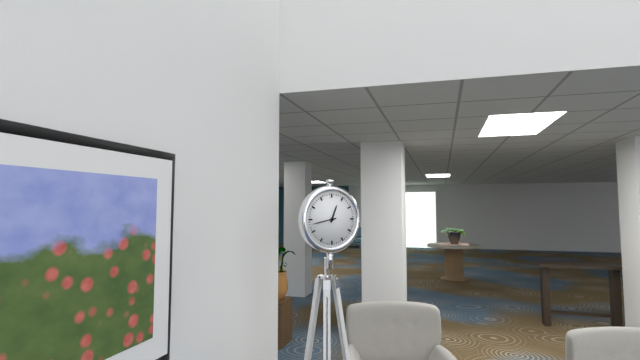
12:43
